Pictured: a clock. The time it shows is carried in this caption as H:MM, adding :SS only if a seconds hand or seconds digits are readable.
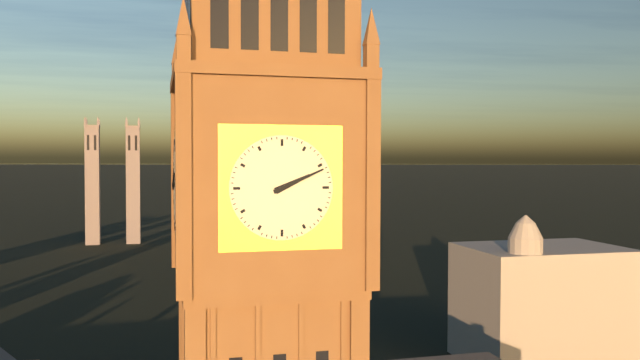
2:11
